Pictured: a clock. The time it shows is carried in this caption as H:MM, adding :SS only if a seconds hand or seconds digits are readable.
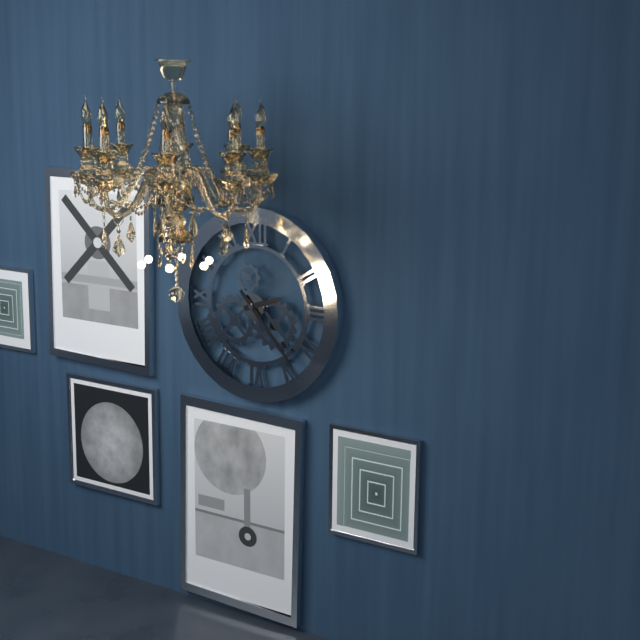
2:23
